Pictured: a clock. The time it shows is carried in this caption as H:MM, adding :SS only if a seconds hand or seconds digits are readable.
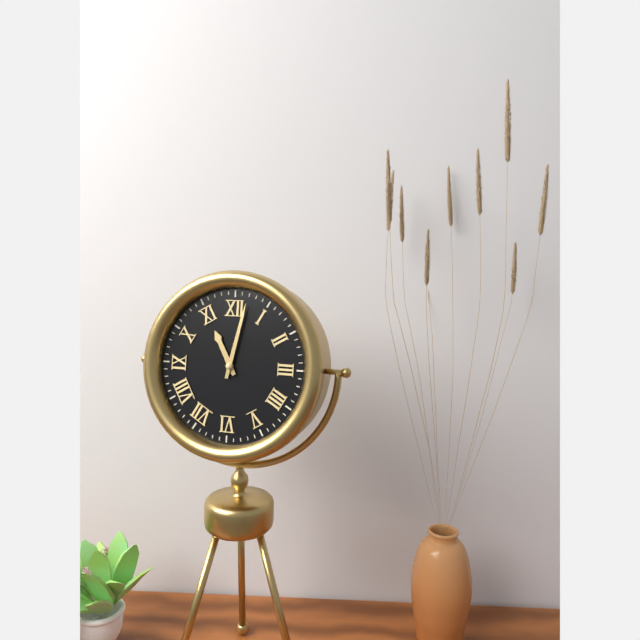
11:02
